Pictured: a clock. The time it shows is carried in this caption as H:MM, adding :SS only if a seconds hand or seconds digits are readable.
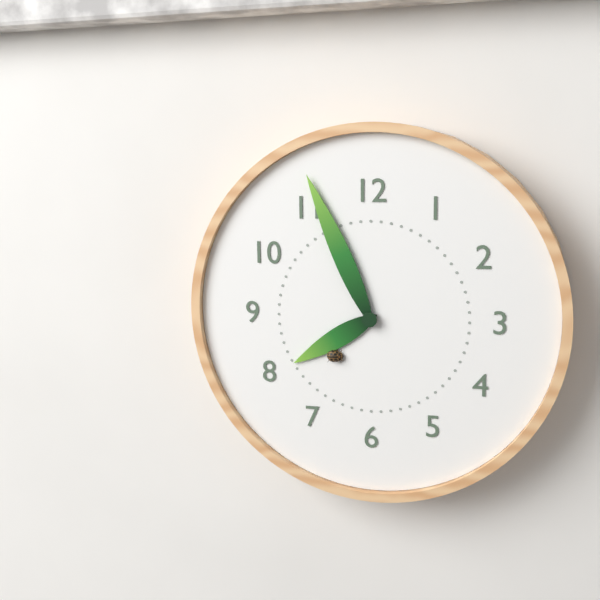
7:56
